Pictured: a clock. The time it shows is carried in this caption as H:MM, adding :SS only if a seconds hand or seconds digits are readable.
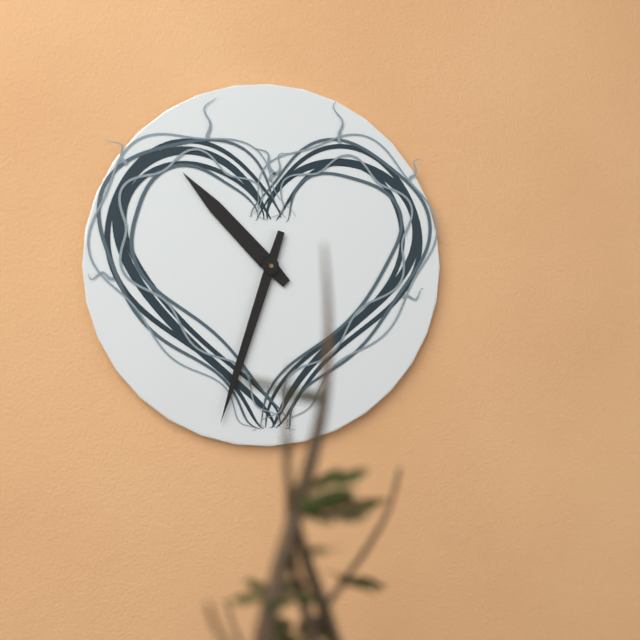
10:33
